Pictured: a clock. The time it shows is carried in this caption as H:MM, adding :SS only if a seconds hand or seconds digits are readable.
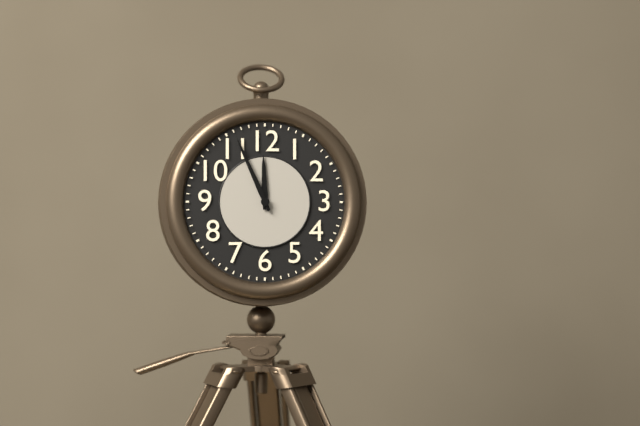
11:56
